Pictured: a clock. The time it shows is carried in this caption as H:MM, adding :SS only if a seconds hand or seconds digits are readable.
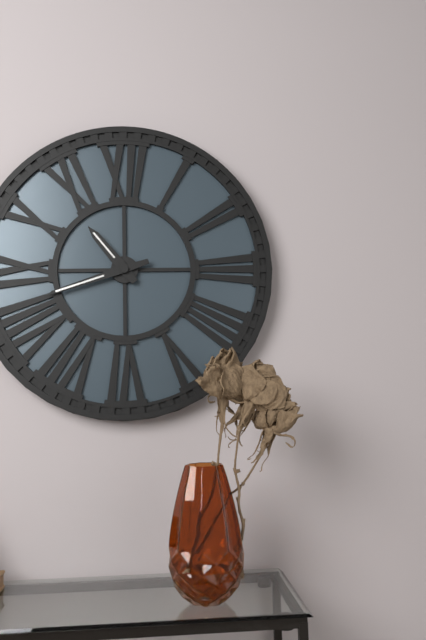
10:42
